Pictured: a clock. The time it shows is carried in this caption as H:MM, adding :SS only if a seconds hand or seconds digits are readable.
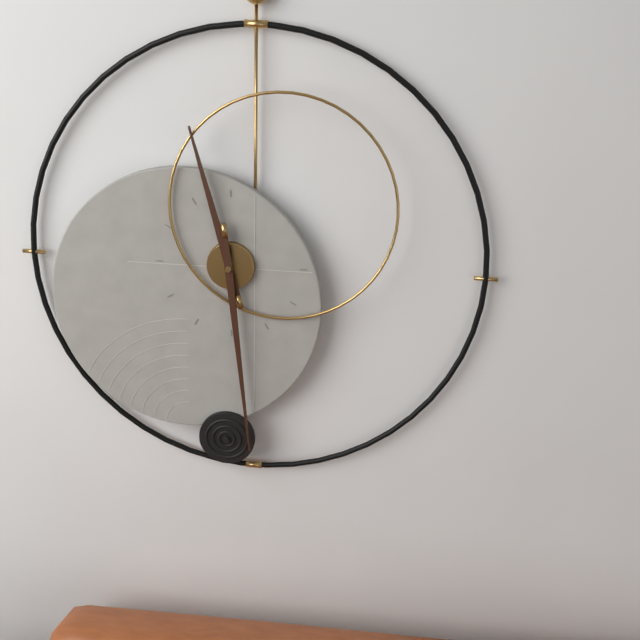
11:29
